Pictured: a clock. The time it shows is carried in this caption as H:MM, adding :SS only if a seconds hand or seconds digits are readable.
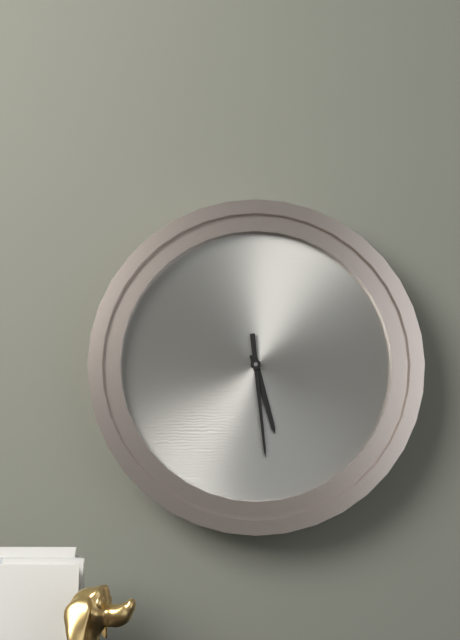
5:29
